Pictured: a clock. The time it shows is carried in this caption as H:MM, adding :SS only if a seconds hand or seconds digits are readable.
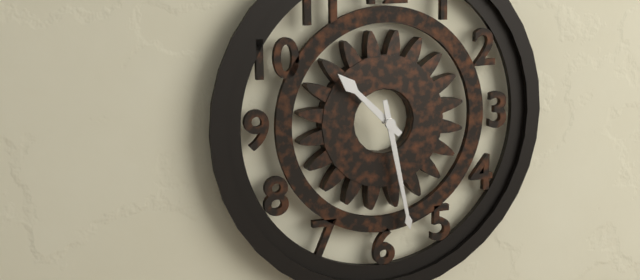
10:28
